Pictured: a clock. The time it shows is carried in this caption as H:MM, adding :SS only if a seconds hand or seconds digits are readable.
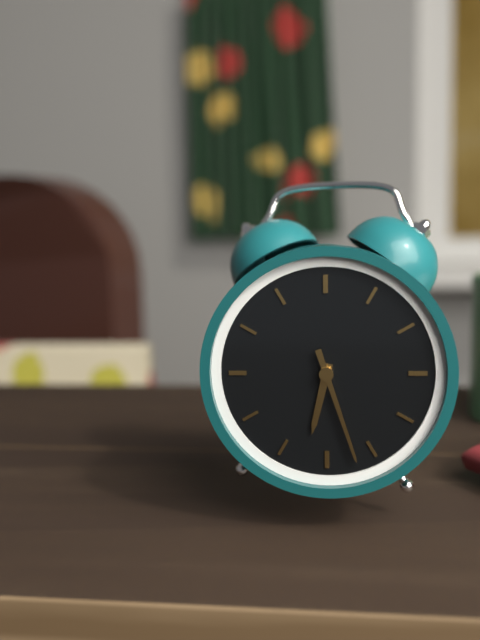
6:27
